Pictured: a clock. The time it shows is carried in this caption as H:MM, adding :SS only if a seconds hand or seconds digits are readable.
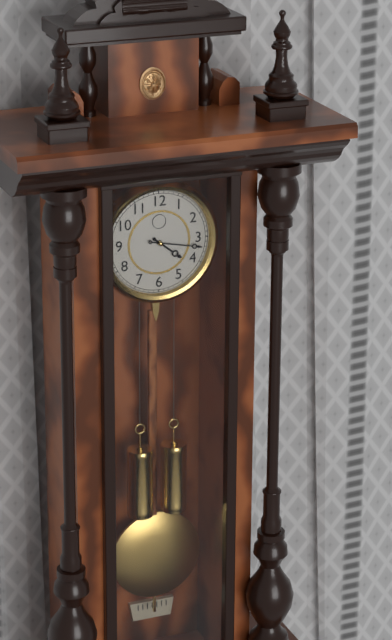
4:17
